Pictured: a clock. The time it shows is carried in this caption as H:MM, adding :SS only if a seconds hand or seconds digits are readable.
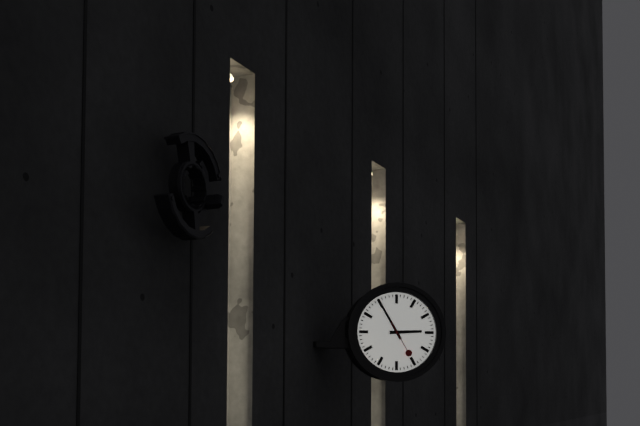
2:55
